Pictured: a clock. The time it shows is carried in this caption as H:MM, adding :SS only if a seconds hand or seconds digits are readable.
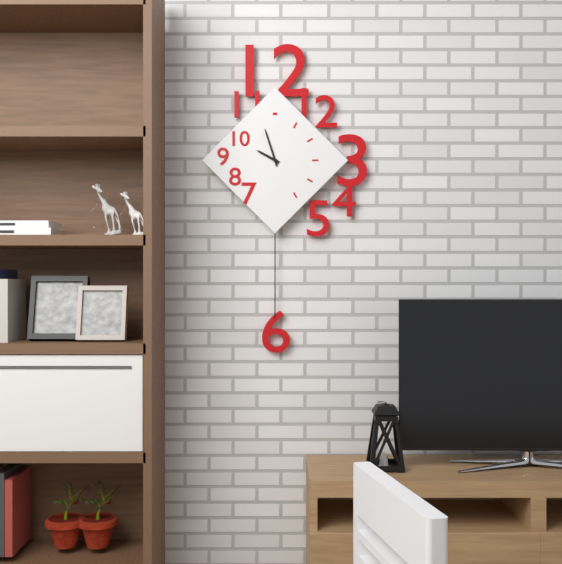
9:57
